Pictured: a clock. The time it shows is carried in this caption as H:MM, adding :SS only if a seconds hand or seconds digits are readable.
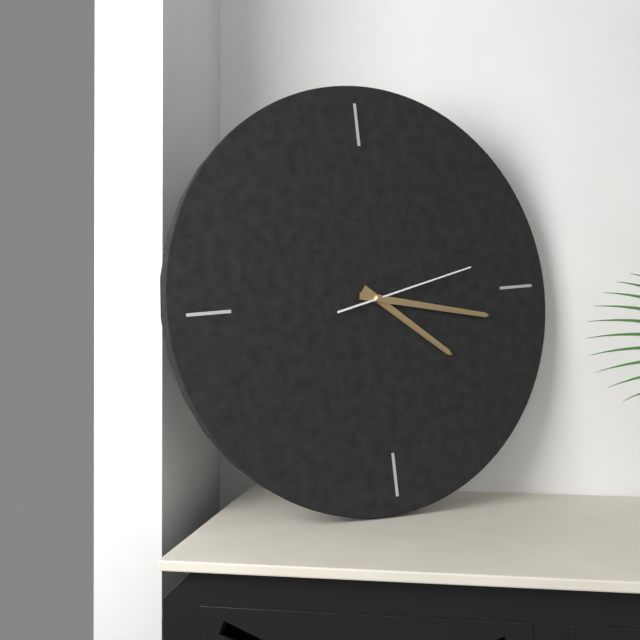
4:17:13
